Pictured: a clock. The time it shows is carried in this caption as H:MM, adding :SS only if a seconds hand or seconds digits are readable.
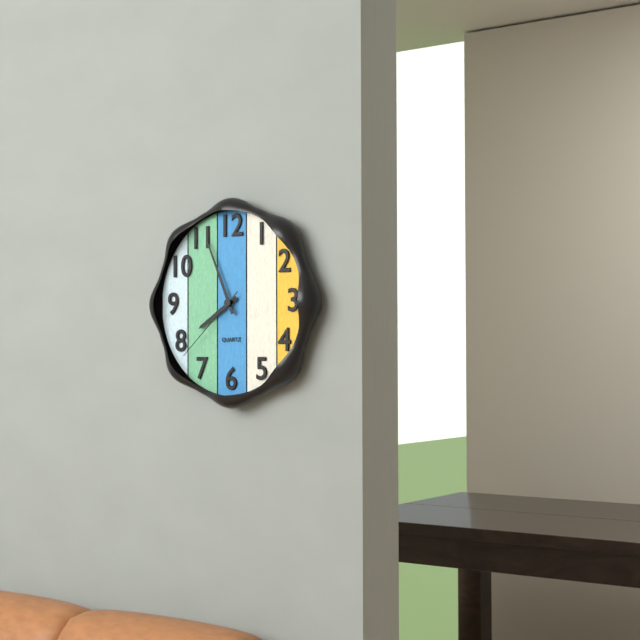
7:56:38
